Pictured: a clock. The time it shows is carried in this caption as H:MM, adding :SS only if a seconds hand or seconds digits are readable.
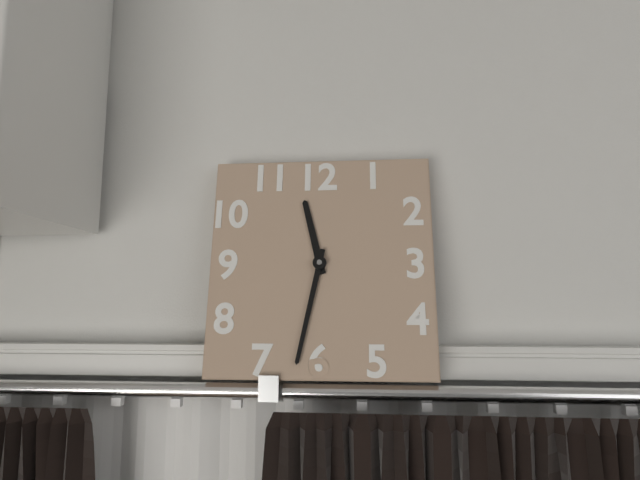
11:32
